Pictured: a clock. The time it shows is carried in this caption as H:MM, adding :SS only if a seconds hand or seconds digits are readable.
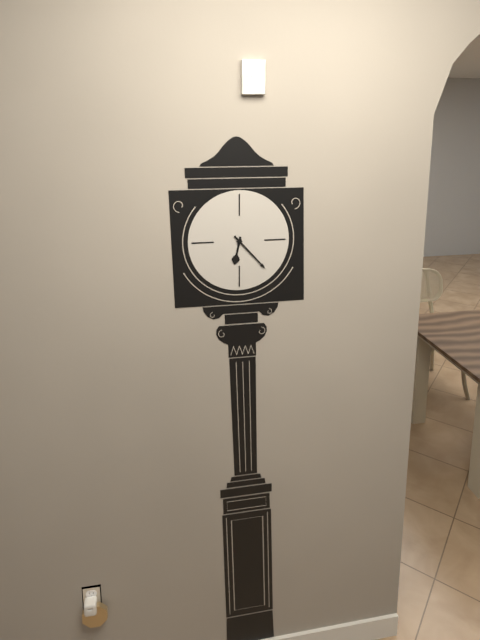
6:23
